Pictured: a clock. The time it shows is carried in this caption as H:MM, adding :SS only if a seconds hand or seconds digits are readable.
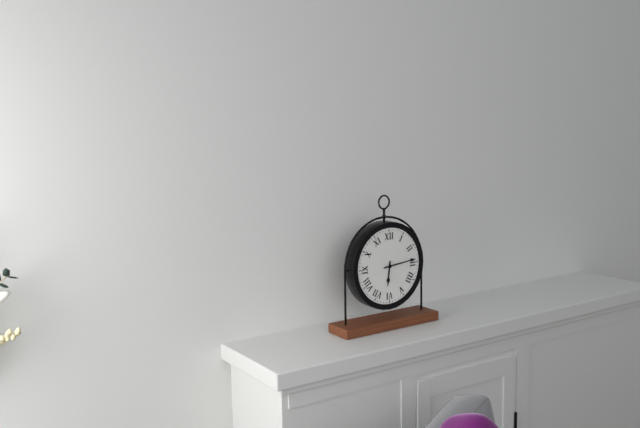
6:14
